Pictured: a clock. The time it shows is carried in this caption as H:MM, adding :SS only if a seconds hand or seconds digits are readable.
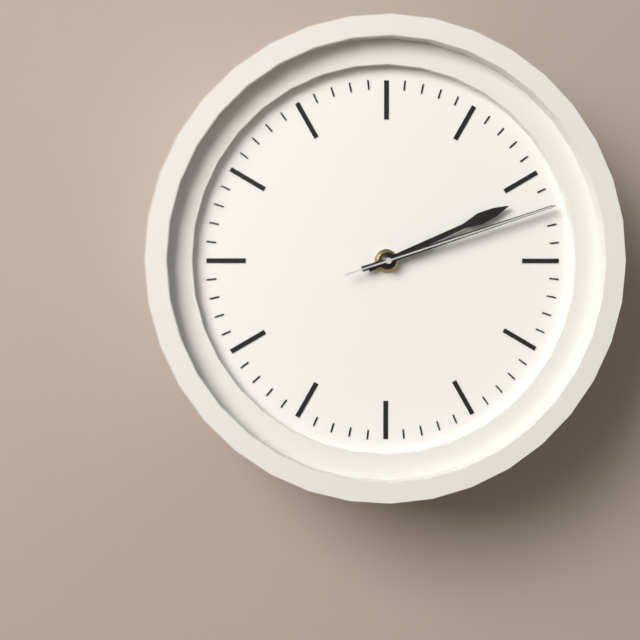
2:12:12
